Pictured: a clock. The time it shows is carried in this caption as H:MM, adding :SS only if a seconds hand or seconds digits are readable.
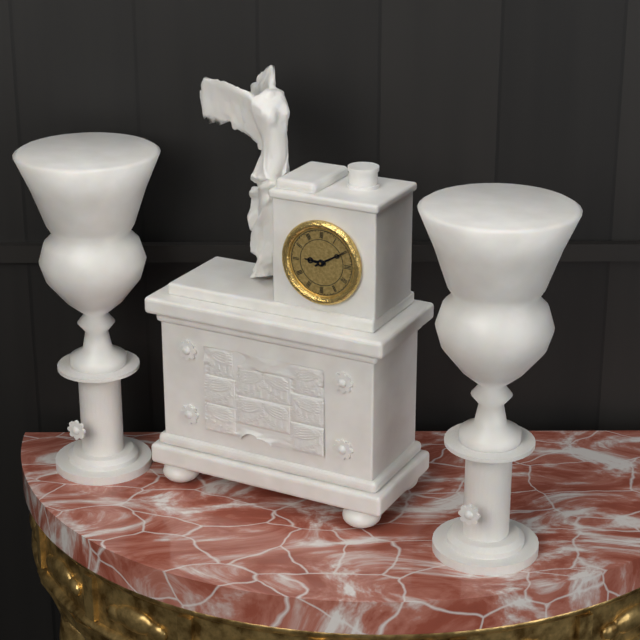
9:10
